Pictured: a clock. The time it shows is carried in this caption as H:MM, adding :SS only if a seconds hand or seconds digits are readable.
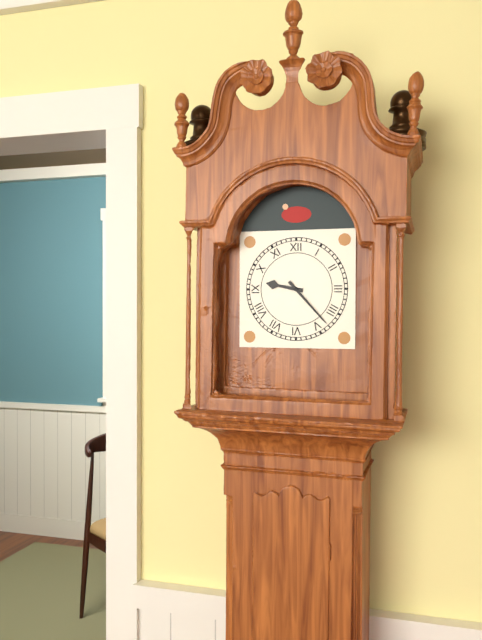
9:23
